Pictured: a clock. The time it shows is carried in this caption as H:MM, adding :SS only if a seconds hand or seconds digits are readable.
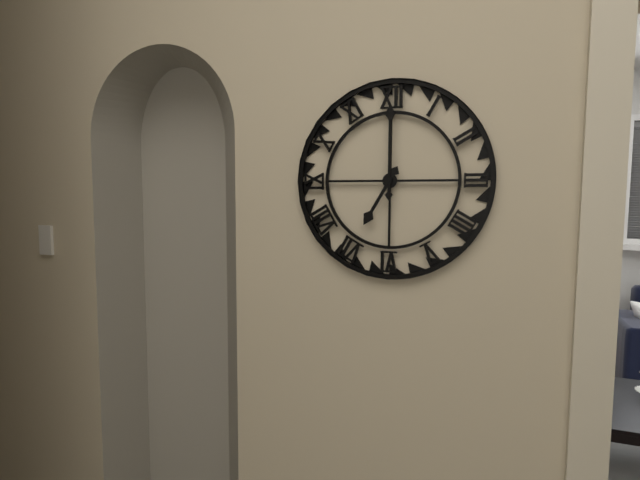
7:00
